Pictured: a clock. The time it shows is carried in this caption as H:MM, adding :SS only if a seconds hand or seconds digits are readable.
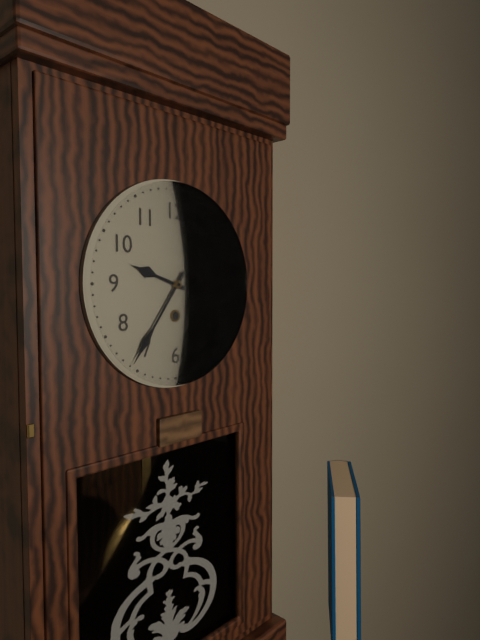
9:36
